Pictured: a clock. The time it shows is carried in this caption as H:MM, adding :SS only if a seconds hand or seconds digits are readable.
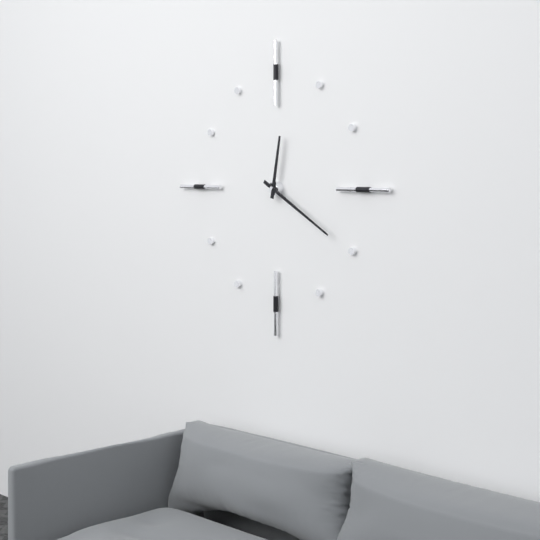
12:20
